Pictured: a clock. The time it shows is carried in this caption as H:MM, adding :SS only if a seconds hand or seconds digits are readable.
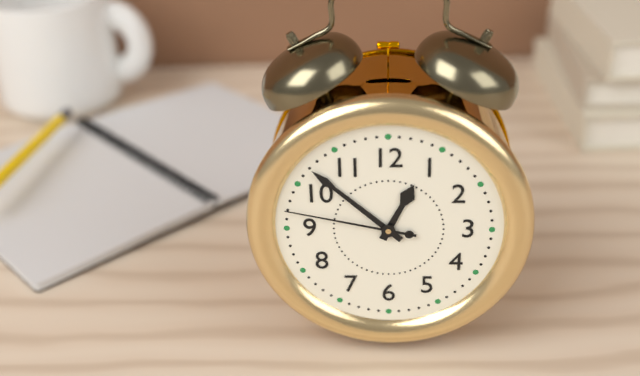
12:52:47
